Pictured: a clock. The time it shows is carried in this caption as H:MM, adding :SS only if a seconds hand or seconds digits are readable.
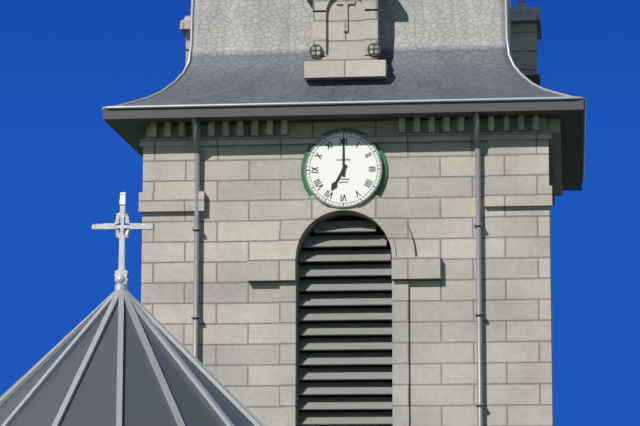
7:00
